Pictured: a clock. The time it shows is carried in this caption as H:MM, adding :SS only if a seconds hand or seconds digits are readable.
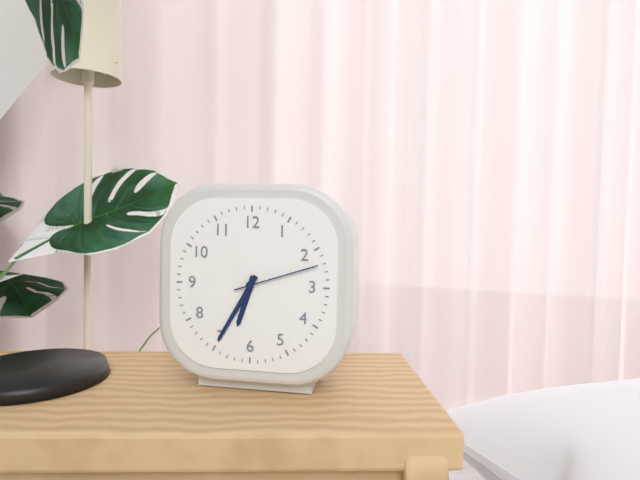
6:35:12
